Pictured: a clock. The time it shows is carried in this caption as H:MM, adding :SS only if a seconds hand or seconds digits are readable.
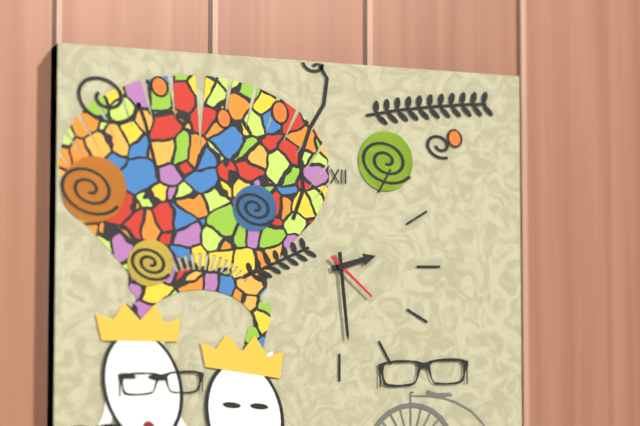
2:29:22
